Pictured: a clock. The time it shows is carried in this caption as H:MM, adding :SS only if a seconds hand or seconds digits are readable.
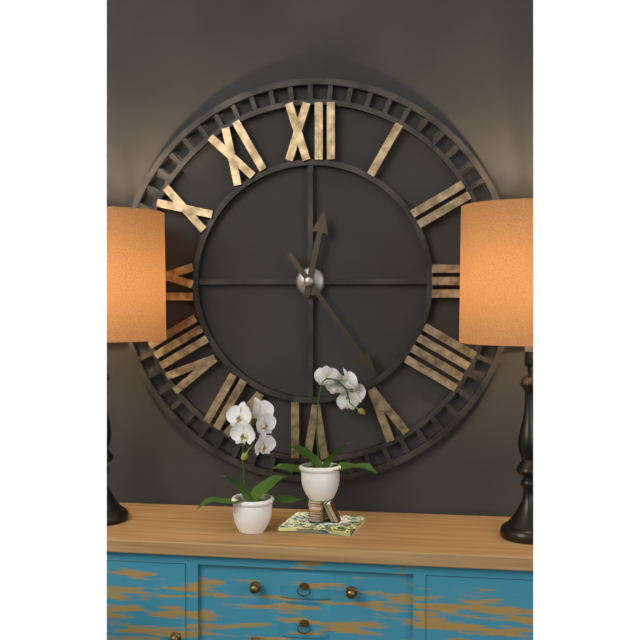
12:24
